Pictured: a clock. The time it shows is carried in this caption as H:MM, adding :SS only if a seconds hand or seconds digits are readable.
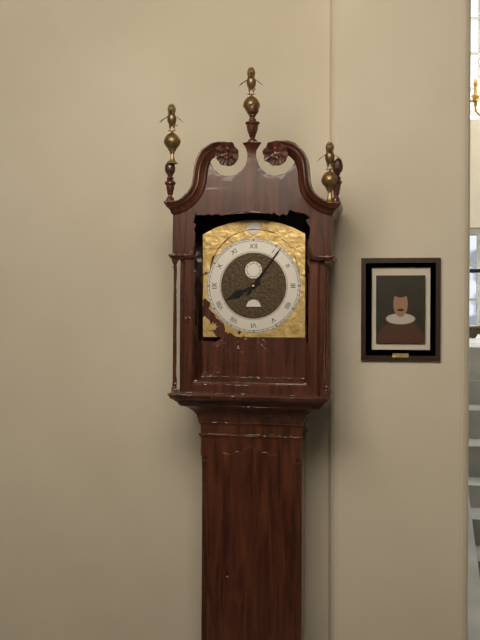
8:06
